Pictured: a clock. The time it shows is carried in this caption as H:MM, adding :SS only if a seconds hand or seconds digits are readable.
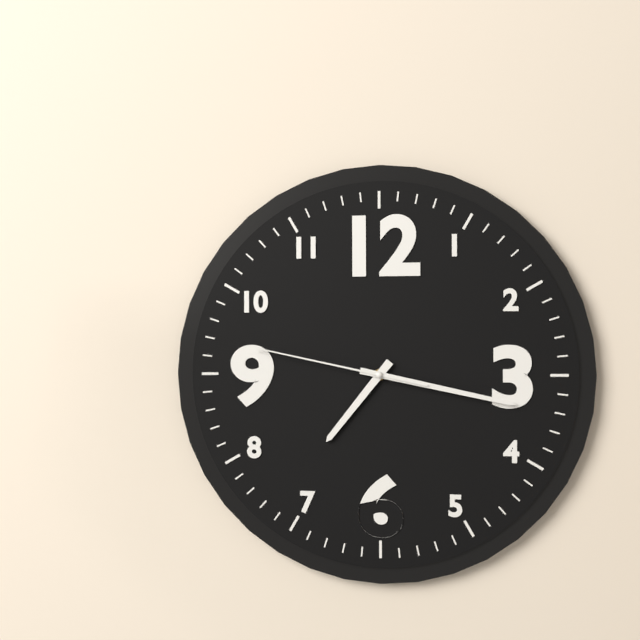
7:17:47
